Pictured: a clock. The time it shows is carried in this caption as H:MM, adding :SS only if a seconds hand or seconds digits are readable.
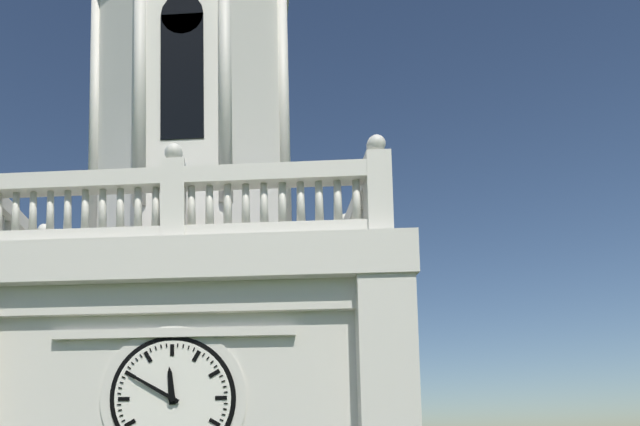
11:50
